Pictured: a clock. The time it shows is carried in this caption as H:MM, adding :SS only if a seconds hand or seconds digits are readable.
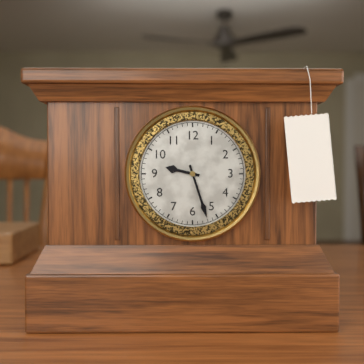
9:27
